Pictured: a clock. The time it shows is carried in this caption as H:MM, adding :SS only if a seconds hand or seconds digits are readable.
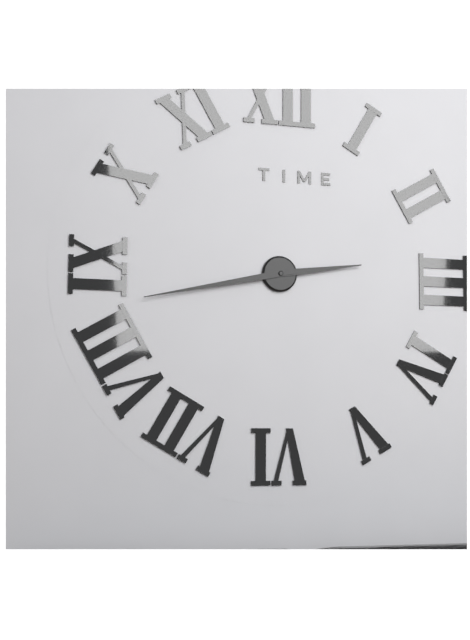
2:43
